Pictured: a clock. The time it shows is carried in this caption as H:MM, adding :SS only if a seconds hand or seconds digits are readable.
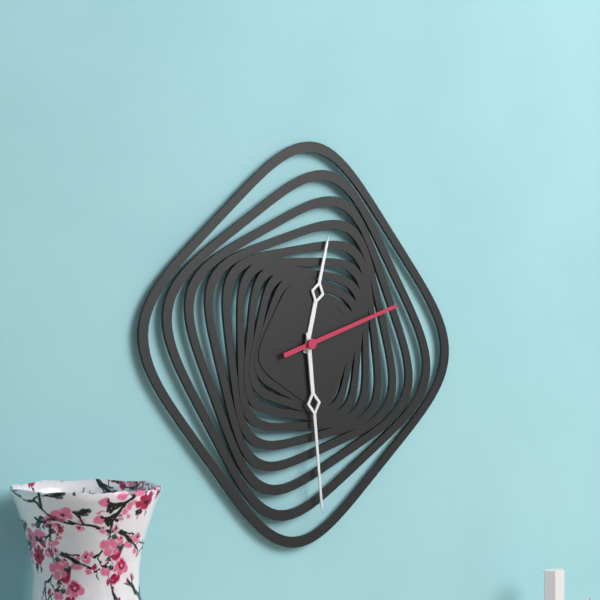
12:29:12
